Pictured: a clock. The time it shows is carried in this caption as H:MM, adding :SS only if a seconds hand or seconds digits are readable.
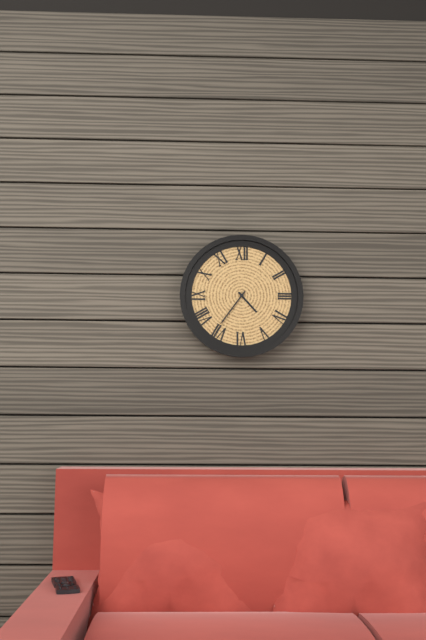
4:36
